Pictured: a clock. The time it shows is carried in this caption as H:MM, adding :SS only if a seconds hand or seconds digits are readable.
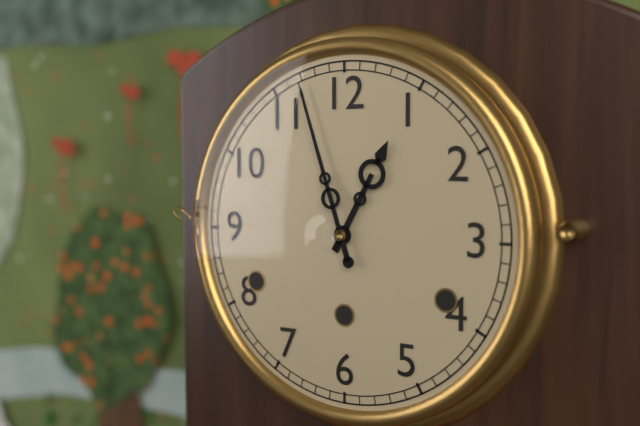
12:57
